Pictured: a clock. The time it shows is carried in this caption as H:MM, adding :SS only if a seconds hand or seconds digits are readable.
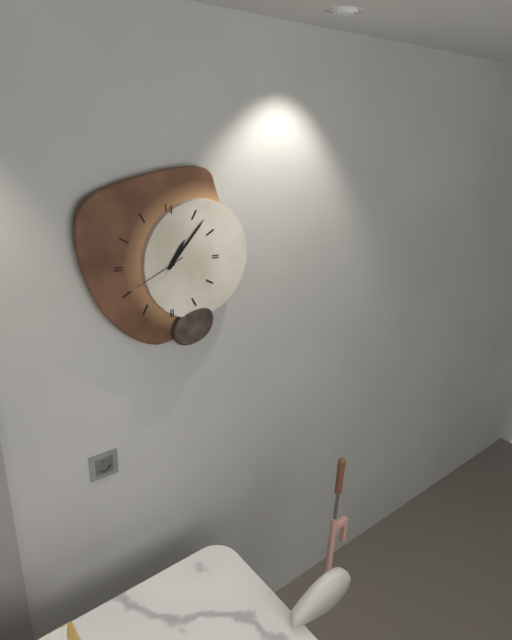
1:07:41
